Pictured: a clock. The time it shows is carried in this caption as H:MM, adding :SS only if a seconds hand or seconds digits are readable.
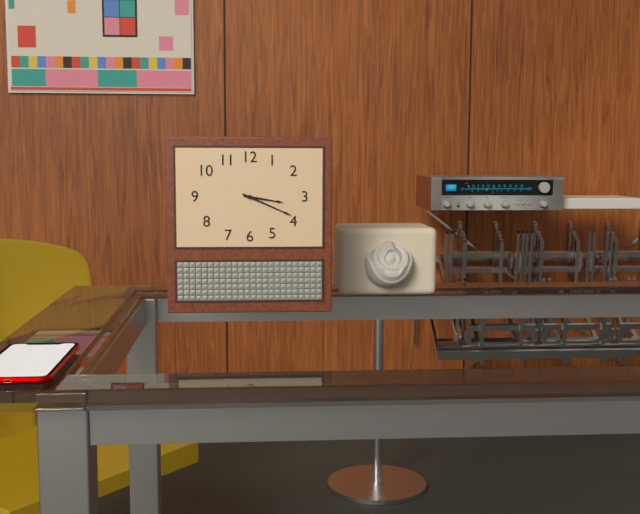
3:19
